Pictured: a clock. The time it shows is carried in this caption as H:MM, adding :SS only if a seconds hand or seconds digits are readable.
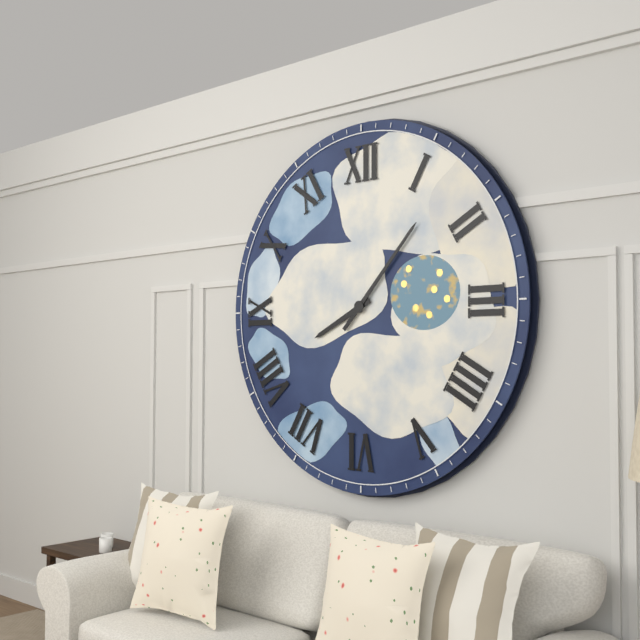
8:07
